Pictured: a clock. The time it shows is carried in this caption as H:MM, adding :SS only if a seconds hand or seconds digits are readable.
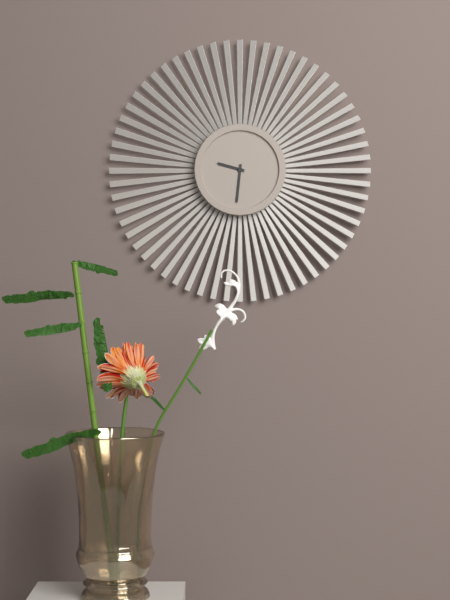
9:31
